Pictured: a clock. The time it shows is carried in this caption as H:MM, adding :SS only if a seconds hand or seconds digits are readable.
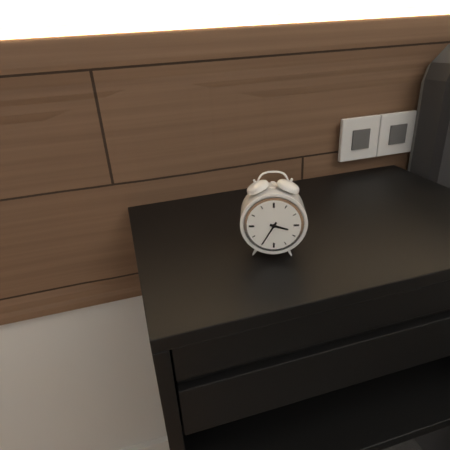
3:35
